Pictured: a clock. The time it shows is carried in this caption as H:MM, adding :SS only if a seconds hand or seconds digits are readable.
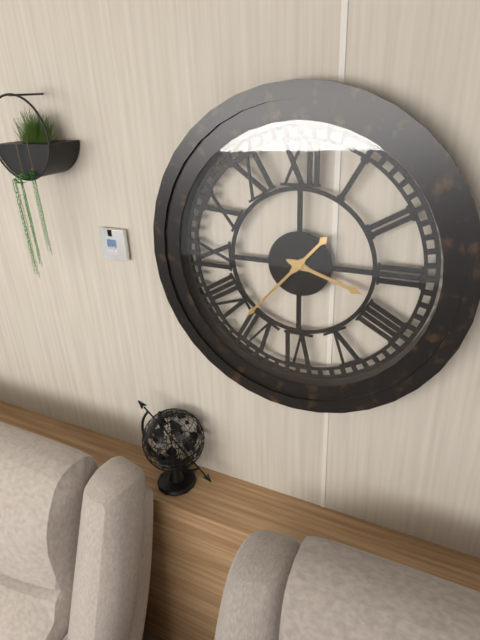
3:37
